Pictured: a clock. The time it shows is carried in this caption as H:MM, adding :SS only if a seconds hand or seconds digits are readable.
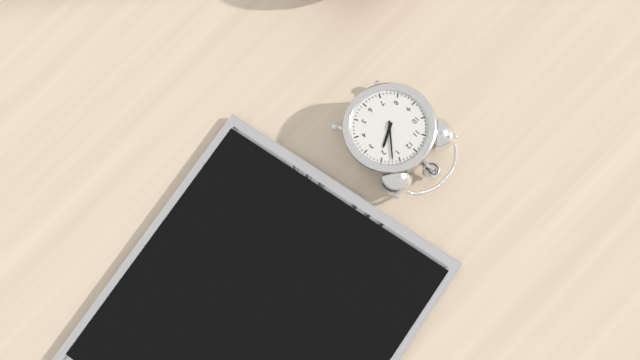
2:07
